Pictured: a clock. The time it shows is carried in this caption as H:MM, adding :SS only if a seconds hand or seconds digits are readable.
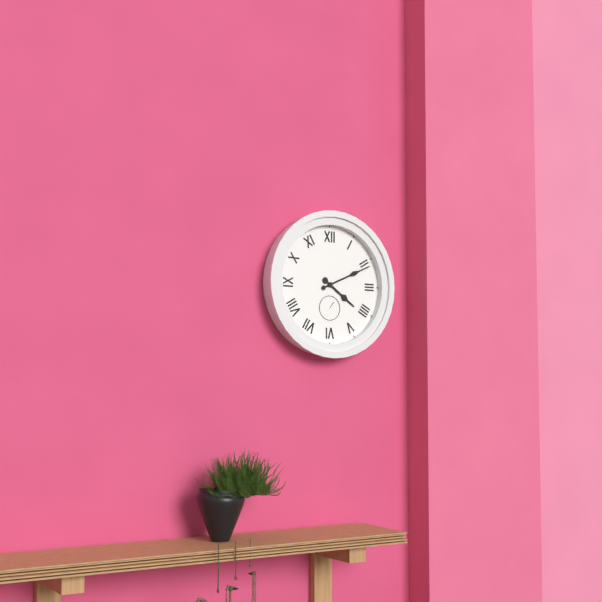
4:11
